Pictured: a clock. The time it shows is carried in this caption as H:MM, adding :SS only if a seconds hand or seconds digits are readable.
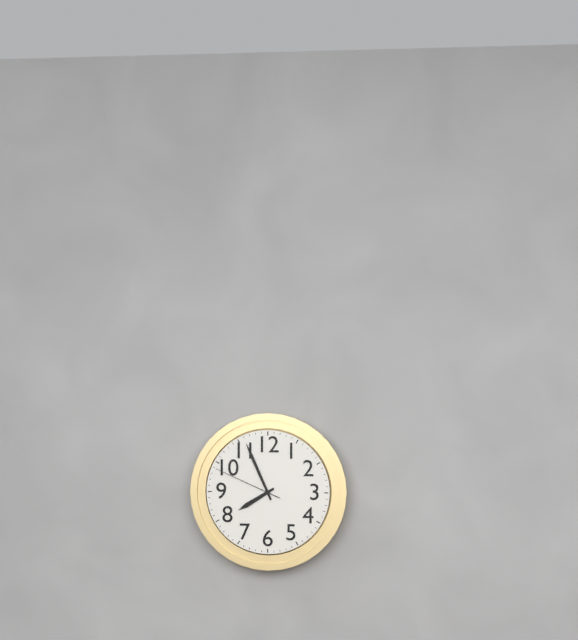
7:56:49
